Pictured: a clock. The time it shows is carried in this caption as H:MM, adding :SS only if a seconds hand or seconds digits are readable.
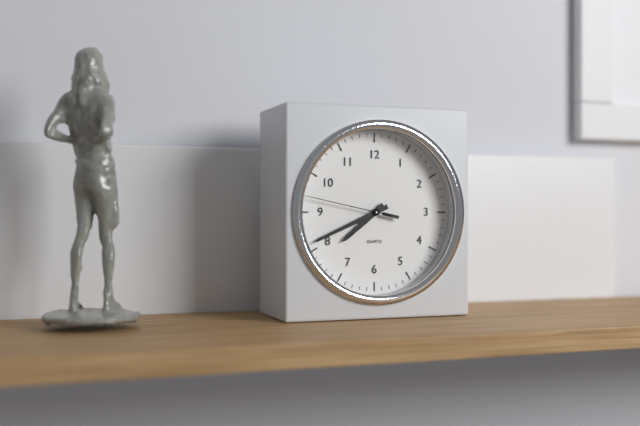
7:41:47
